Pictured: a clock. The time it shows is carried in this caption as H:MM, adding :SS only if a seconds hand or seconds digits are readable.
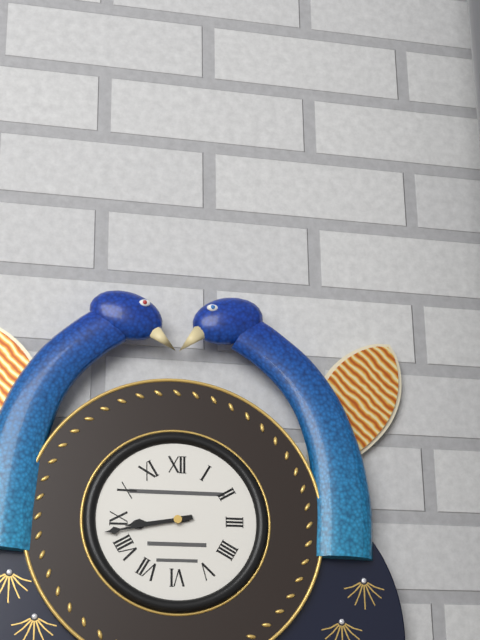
8:43
